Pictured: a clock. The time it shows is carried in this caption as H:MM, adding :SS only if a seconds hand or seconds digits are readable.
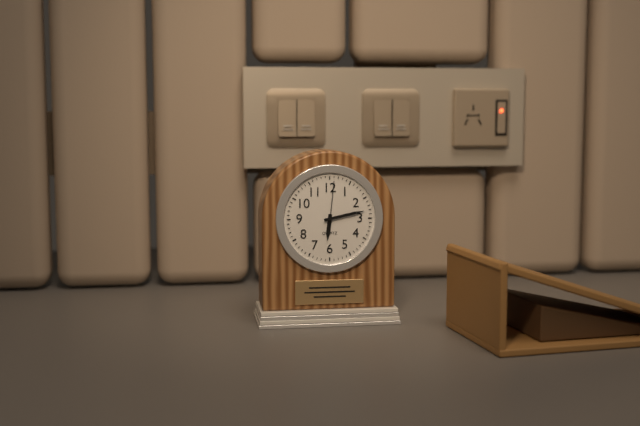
6:13
